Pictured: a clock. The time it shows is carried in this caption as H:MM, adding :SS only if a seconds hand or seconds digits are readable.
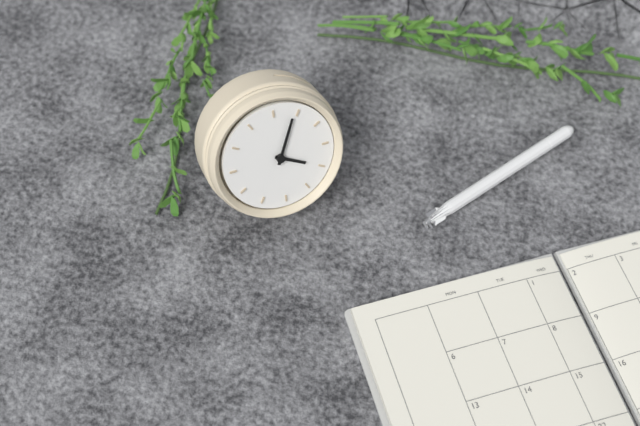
2:59
